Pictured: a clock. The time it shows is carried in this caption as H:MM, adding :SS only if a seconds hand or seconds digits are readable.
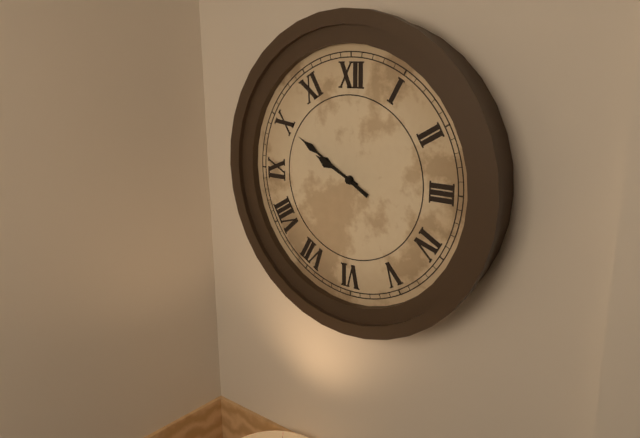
9:50
